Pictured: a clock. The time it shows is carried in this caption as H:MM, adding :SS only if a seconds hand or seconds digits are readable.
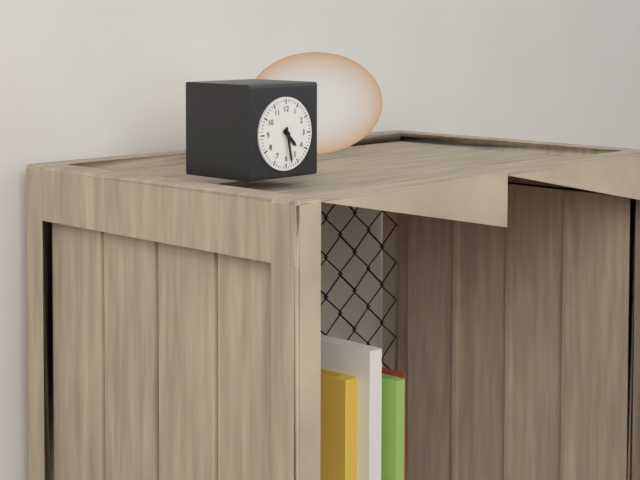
4:28
